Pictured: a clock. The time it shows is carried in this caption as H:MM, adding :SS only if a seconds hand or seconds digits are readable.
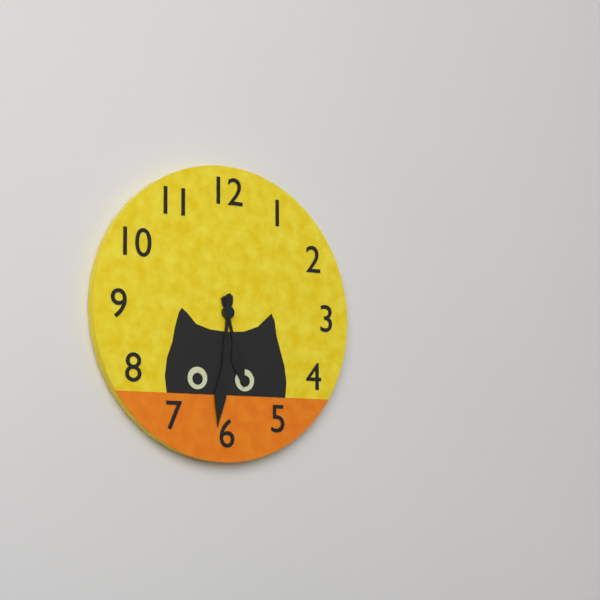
5:31
